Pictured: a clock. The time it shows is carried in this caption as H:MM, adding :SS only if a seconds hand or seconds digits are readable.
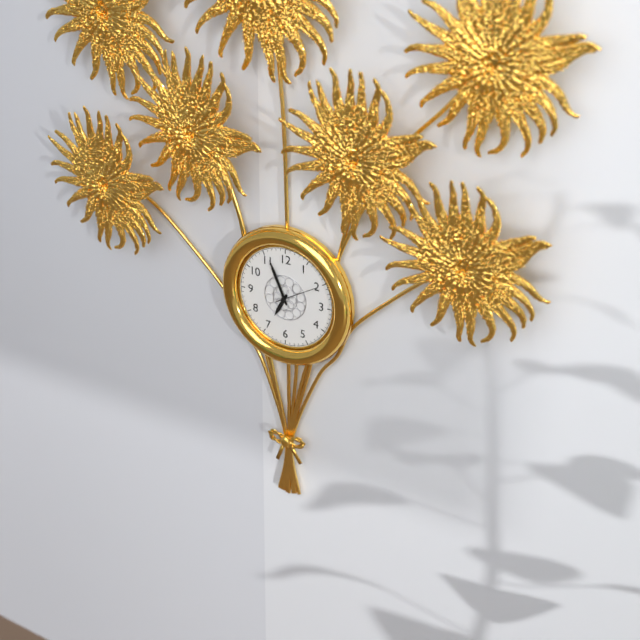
6:56
